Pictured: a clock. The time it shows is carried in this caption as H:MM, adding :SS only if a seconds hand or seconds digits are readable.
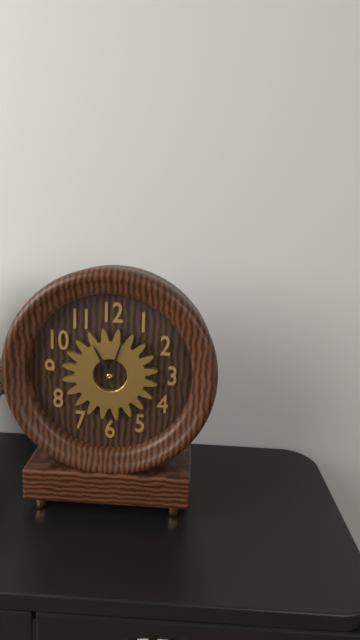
11:03
